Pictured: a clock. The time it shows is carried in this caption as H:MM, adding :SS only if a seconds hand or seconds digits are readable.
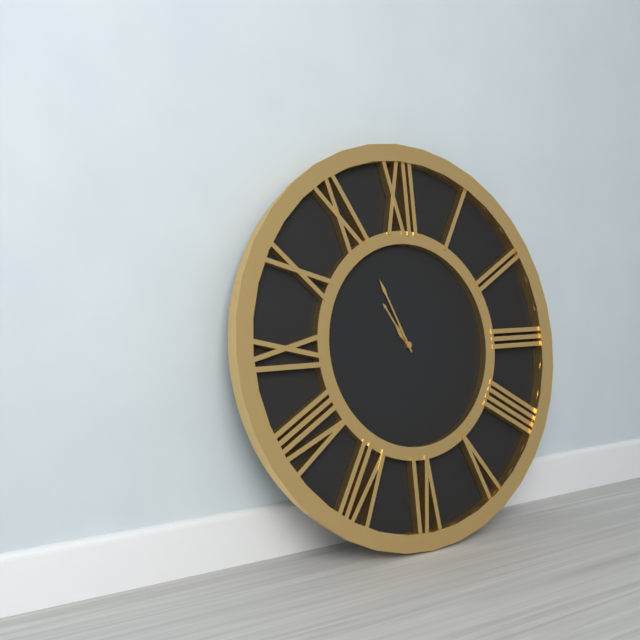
10:56
